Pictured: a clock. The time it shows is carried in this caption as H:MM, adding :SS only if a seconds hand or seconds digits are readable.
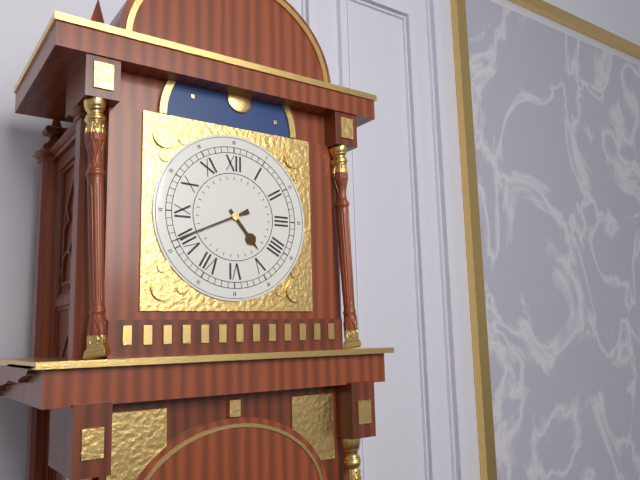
4:41
